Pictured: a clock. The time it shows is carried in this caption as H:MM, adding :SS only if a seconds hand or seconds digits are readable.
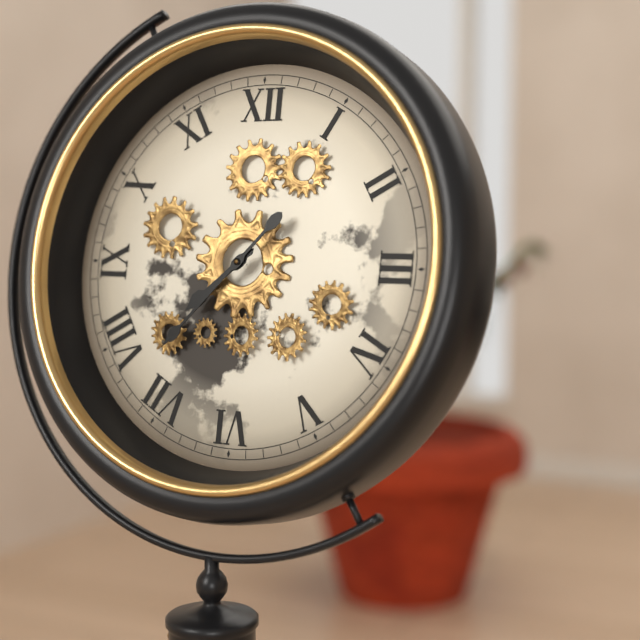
7:37
